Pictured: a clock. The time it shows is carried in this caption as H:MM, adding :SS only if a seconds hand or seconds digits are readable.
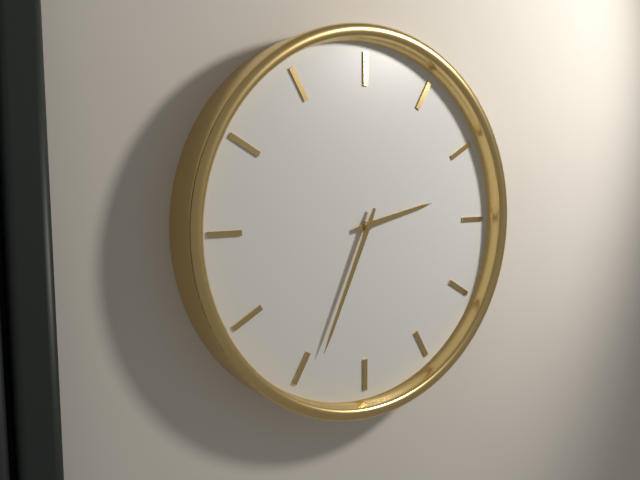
2:34
